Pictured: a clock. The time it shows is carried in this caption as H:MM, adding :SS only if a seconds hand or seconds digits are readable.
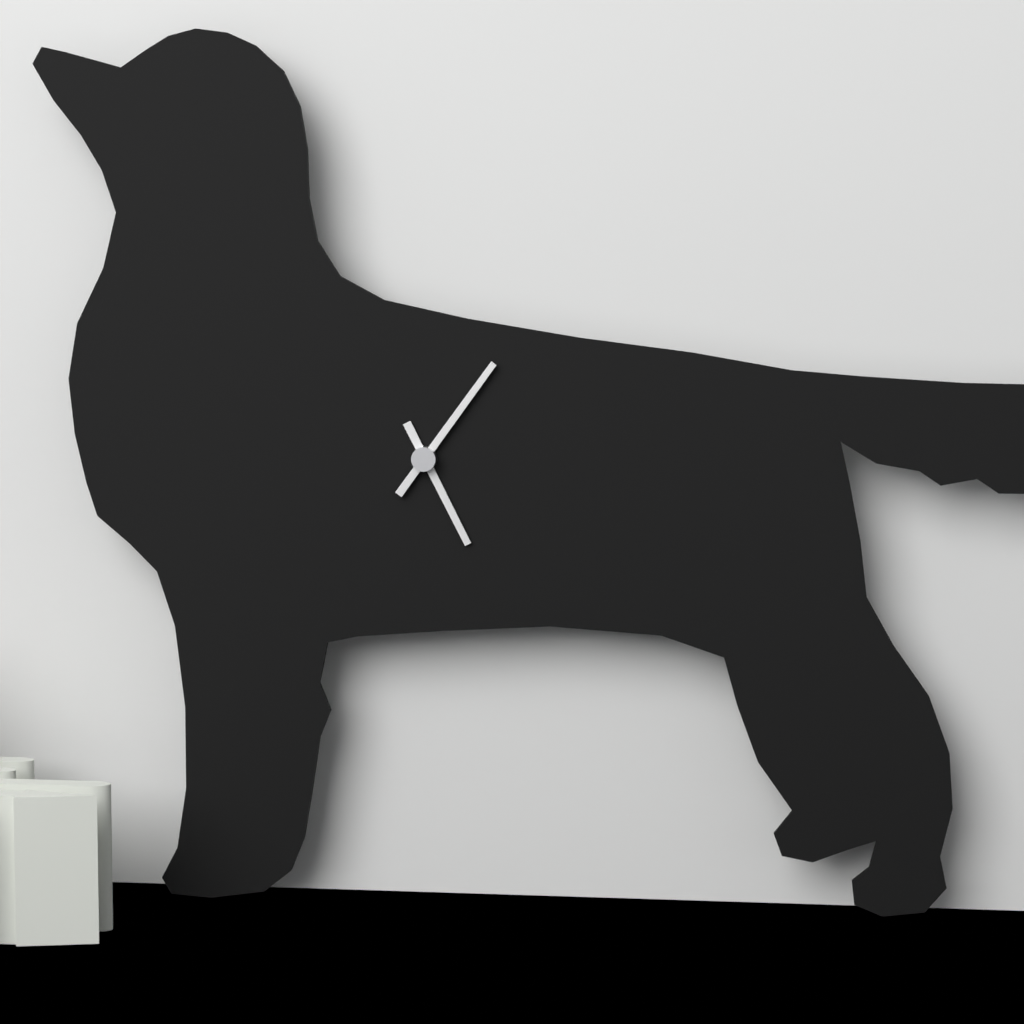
5:06
